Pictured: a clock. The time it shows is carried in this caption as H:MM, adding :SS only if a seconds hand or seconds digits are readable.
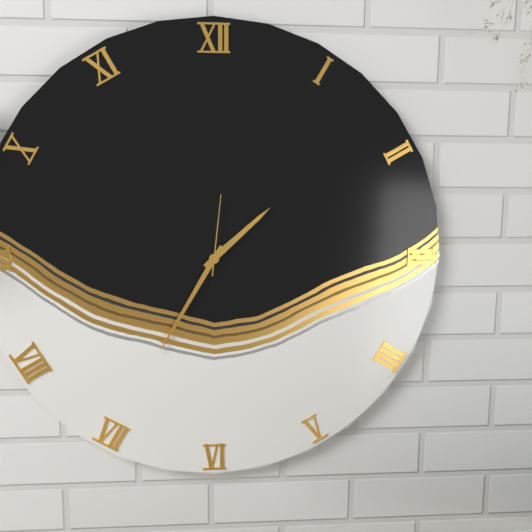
1:35:01
